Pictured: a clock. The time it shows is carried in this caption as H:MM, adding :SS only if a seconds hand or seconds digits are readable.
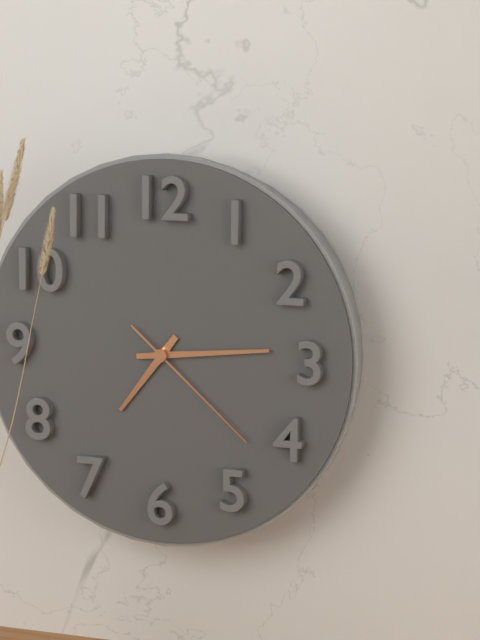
7:14:22
